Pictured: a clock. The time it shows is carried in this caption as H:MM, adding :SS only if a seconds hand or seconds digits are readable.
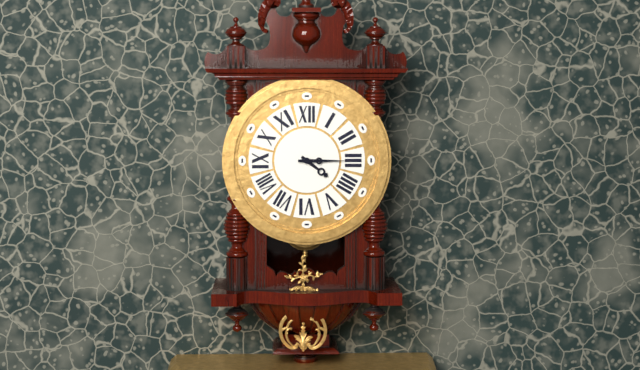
4:15
